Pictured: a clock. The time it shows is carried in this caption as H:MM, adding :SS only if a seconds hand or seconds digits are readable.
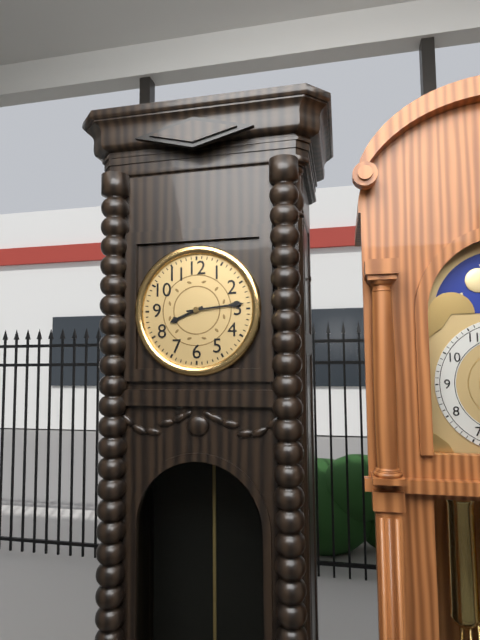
8:14
